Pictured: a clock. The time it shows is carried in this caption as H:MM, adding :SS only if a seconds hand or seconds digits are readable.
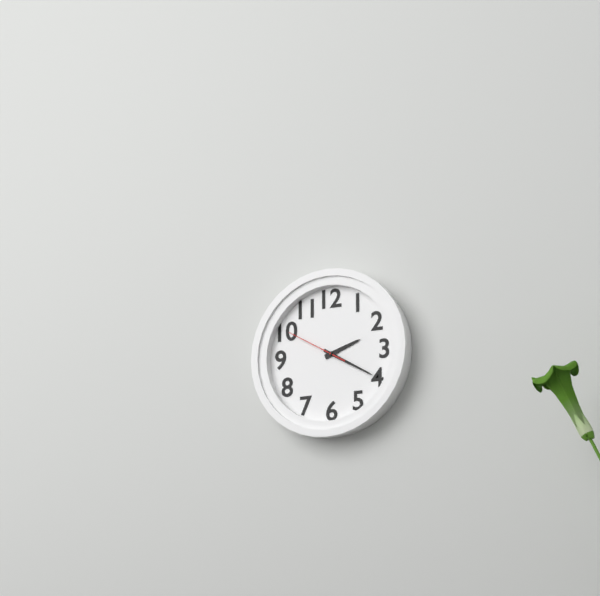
2:20:50
